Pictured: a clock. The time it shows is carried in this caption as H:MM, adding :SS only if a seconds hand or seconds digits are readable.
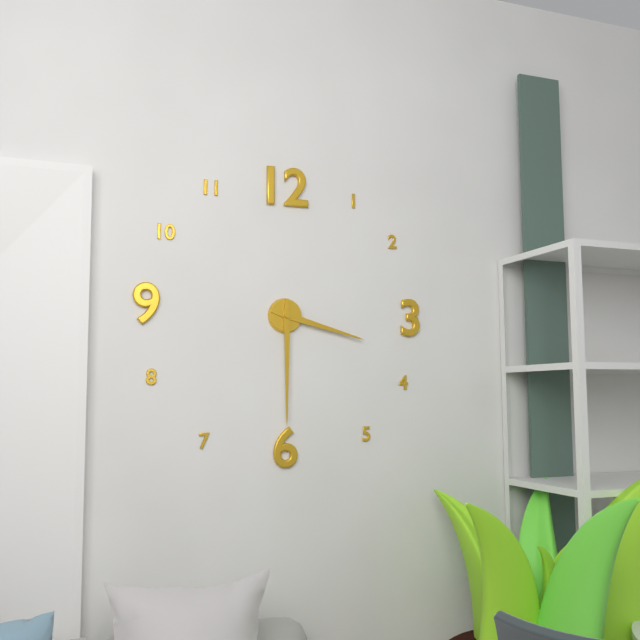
3:30
